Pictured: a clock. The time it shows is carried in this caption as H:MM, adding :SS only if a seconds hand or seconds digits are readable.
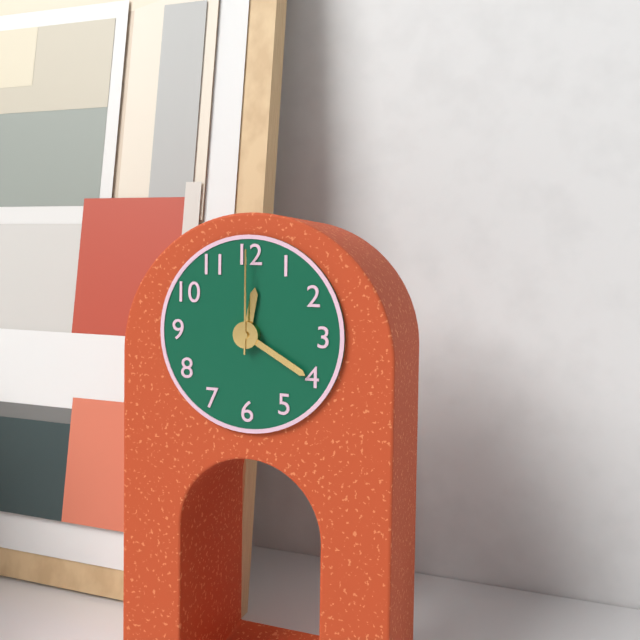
12:20:00
